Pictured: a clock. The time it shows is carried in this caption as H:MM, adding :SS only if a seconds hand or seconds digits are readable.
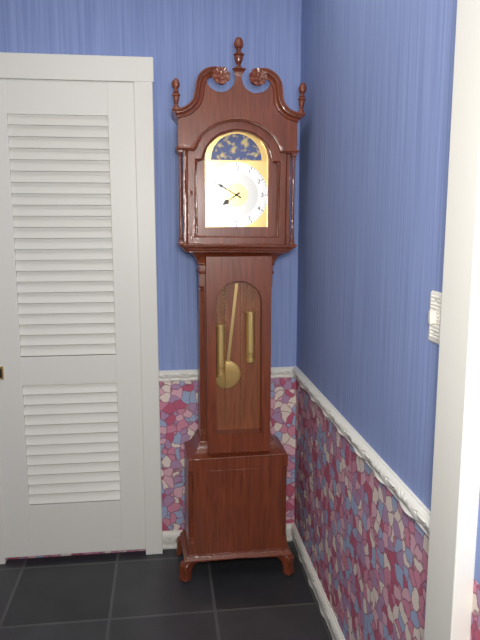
7:50
